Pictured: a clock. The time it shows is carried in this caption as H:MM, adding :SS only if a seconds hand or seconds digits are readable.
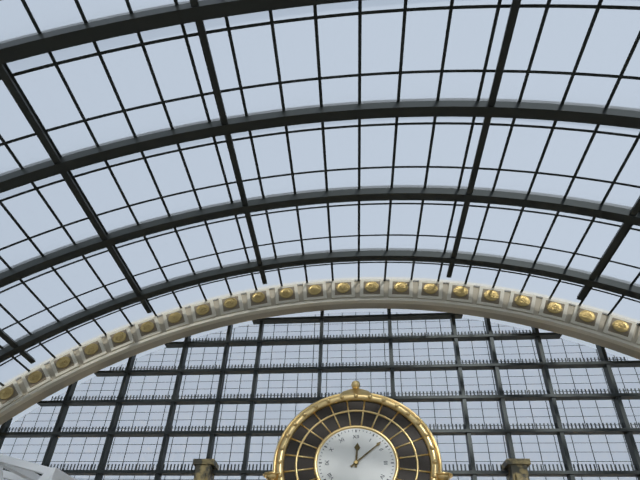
12:08
